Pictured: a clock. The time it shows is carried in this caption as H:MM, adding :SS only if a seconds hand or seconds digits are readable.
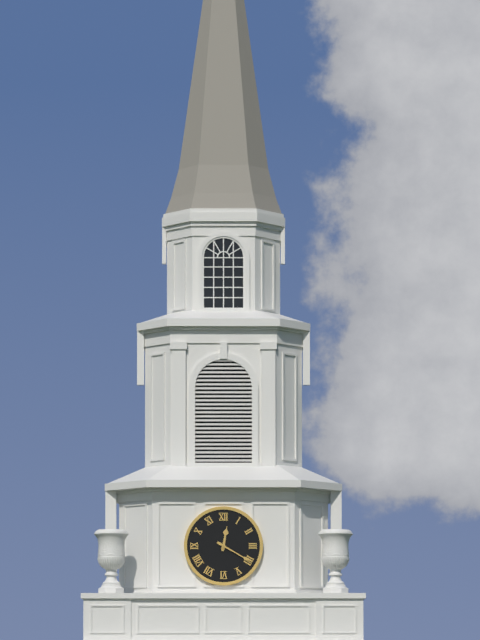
12:20
